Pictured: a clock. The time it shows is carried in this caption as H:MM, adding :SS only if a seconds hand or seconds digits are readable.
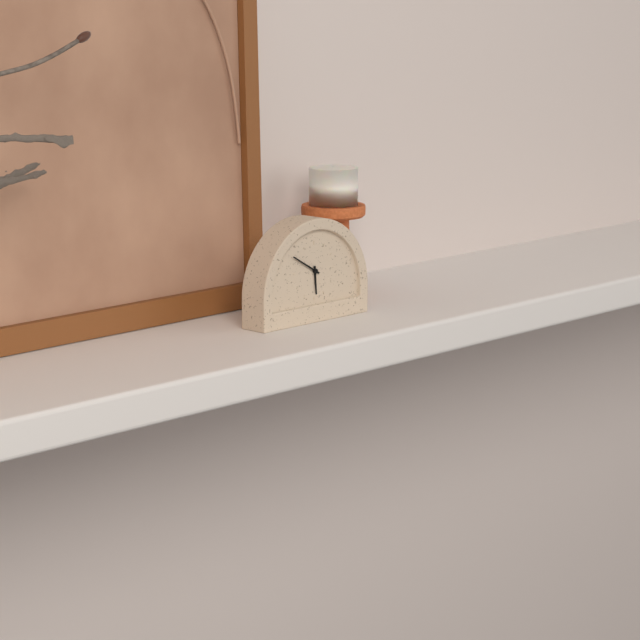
5:50
